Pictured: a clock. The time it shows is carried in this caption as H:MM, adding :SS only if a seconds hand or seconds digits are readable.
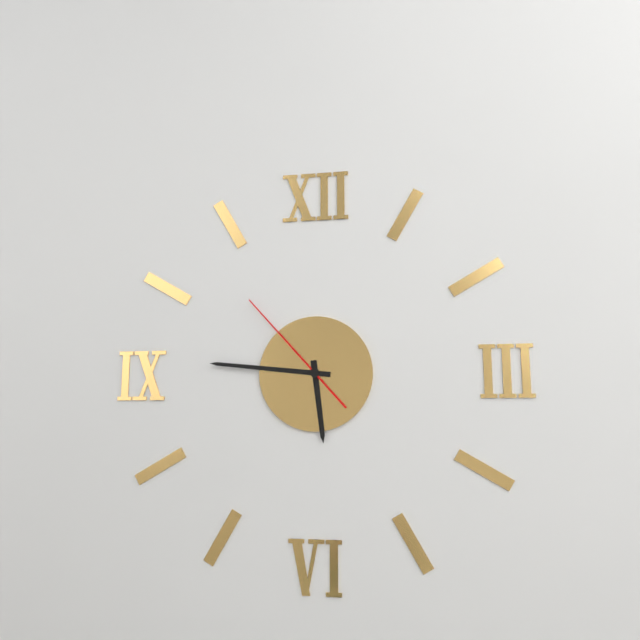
5:46:53
